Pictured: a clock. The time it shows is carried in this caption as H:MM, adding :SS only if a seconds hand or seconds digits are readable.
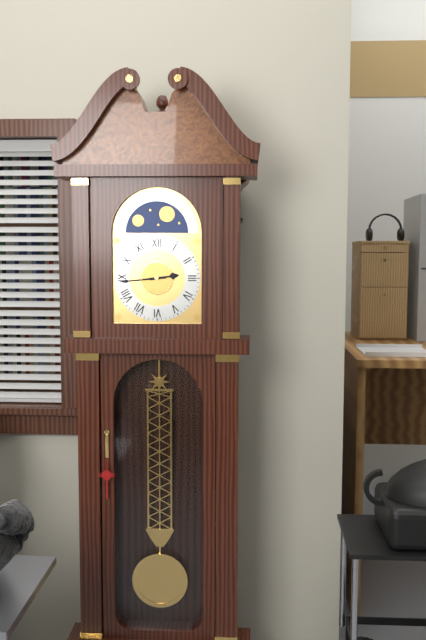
2:44
